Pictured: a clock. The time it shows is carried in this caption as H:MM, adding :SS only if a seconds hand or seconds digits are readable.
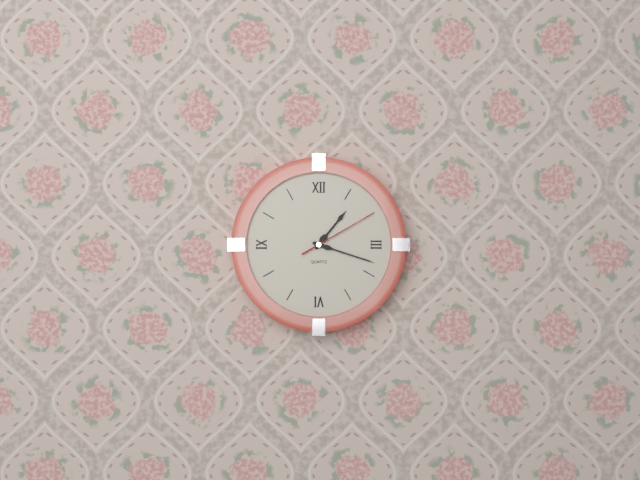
1:18:10
